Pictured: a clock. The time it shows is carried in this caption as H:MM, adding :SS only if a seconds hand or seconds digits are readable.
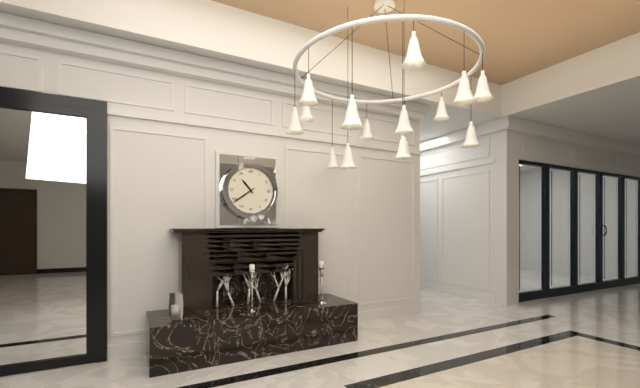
10:39
